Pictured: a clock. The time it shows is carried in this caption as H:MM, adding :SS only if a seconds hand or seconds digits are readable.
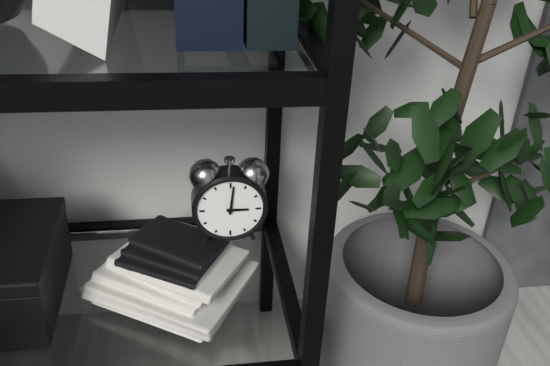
3:01
